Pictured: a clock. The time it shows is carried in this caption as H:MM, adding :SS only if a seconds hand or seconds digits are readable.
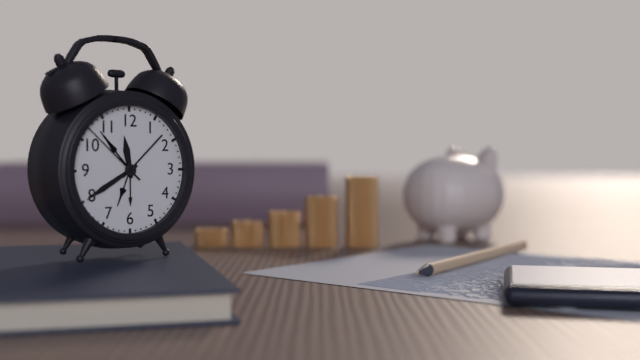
11:40:52
